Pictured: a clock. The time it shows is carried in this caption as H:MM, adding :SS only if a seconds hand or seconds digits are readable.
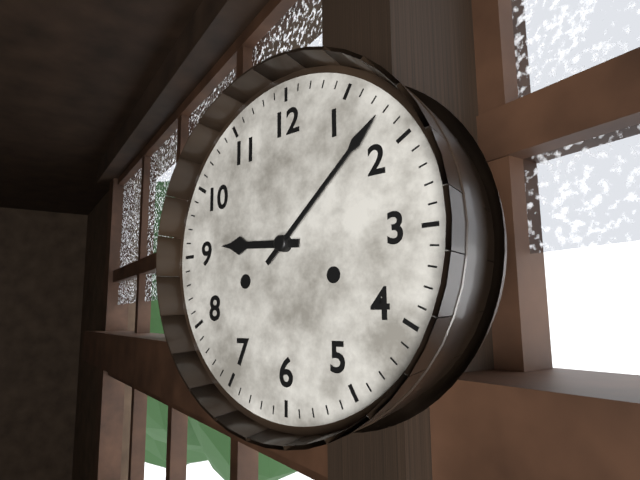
9:08
